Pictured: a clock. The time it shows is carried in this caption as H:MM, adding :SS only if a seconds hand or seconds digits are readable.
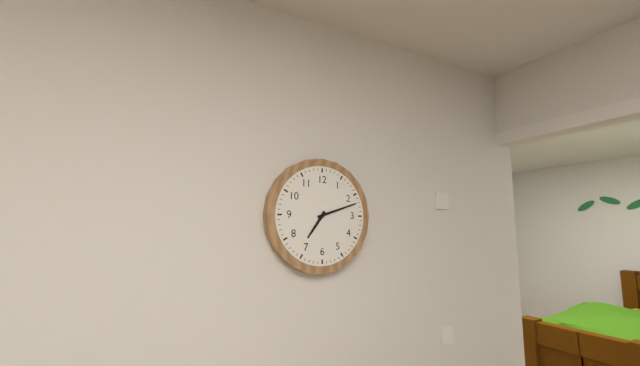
7:12
